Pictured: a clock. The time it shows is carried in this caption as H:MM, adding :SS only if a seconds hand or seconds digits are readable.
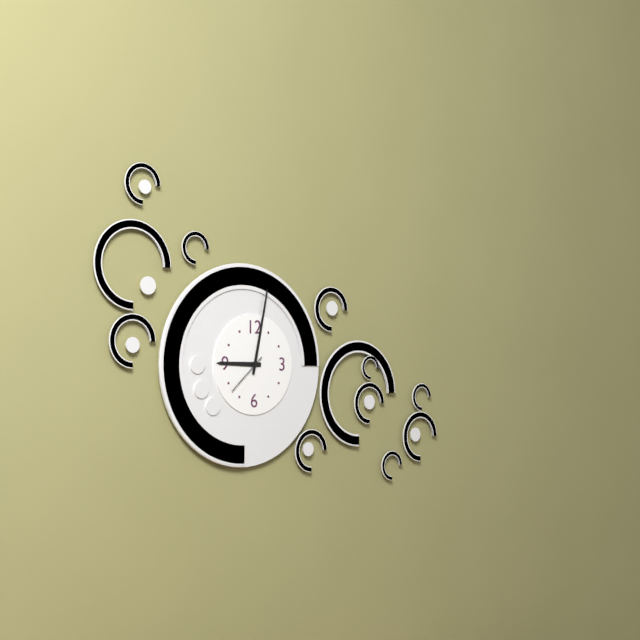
9:02
